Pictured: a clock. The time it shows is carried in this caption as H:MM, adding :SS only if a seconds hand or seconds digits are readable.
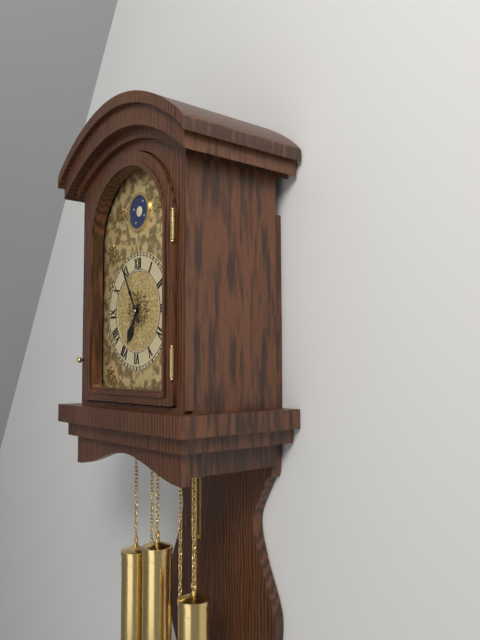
6:55
